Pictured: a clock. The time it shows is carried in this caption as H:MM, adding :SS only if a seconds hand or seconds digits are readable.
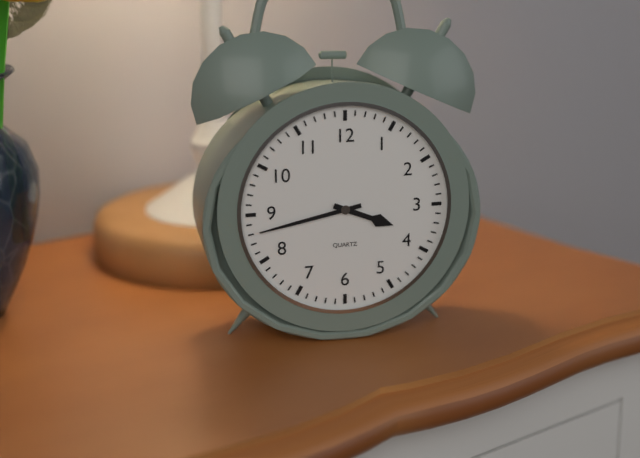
3:43
